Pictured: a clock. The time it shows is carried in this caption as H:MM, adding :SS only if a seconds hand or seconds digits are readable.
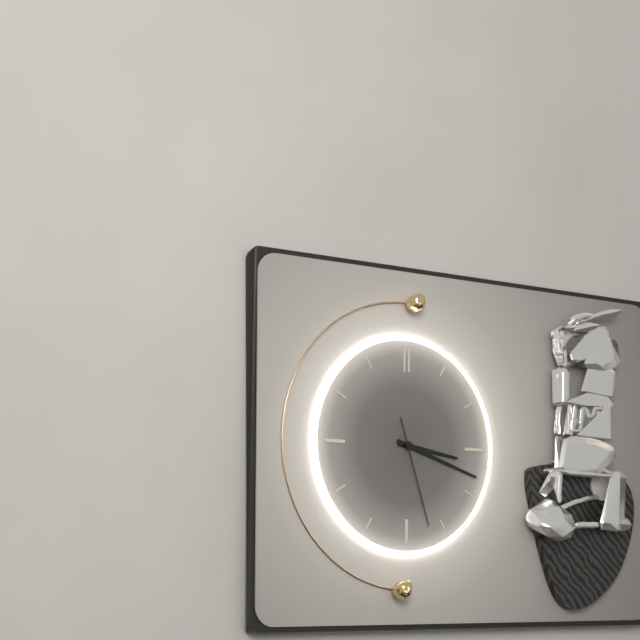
3:18:27
